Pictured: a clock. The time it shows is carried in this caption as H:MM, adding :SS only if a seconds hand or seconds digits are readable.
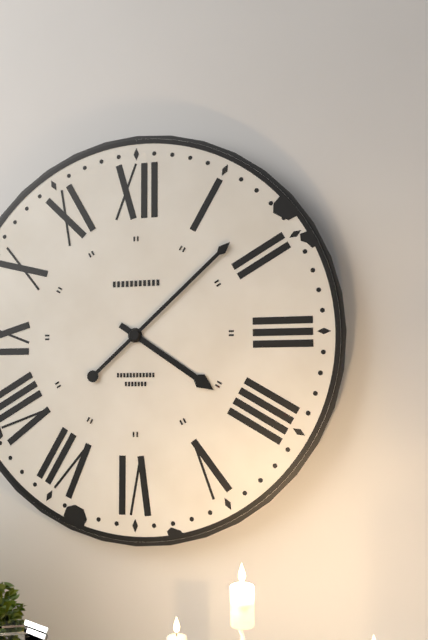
4:08
